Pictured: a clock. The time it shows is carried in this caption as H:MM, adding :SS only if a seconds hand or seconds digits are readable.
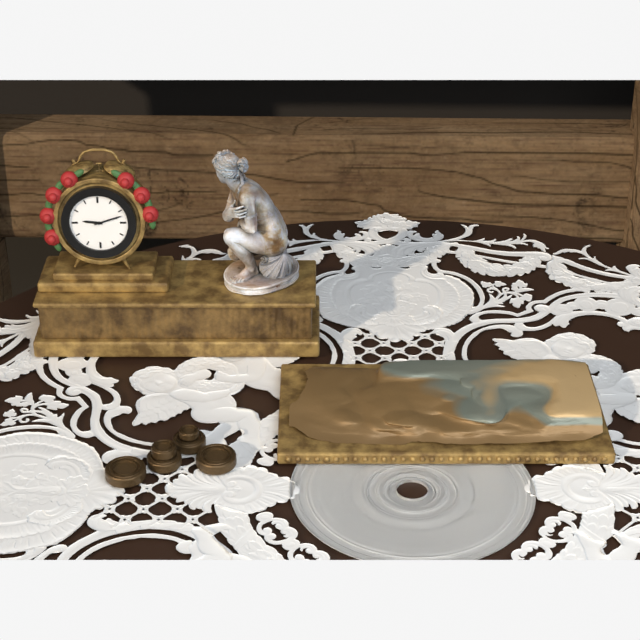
9:12
